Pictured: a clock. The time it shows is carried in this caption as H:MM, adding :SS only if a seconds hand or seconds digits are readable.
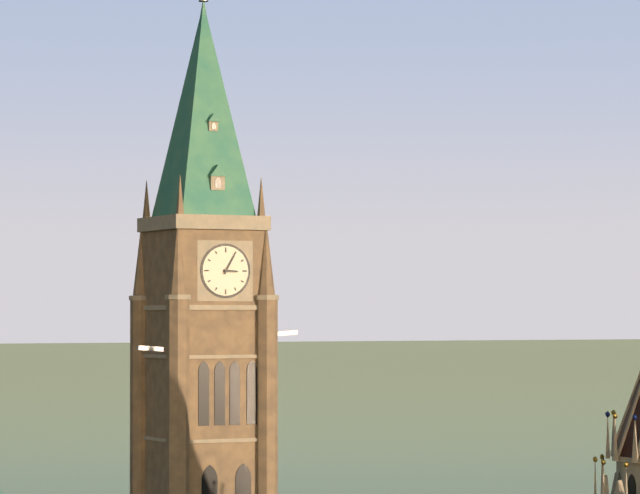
3:05
